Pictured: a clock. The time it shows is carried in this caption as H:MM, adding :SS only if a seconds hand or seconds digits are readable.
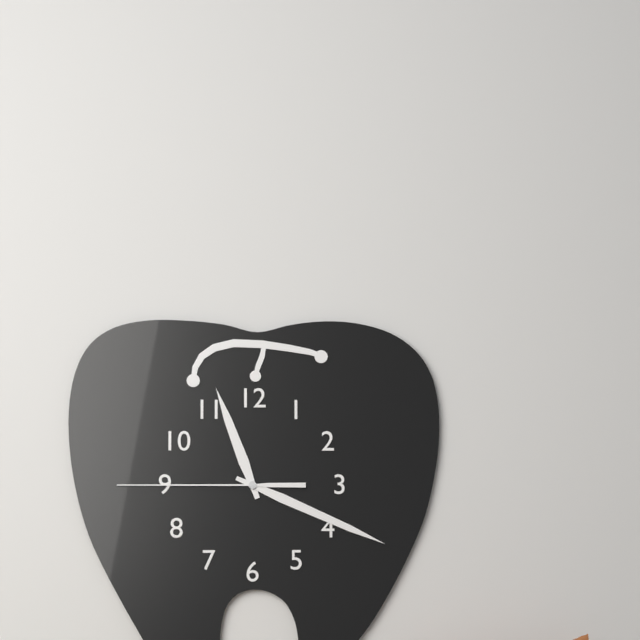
11:19:45
